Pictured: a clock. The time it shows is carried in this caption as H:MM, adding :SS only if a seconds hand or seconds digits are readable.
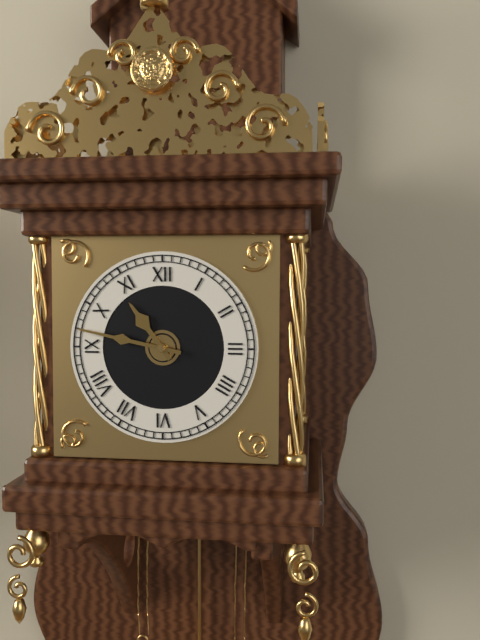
10:47
